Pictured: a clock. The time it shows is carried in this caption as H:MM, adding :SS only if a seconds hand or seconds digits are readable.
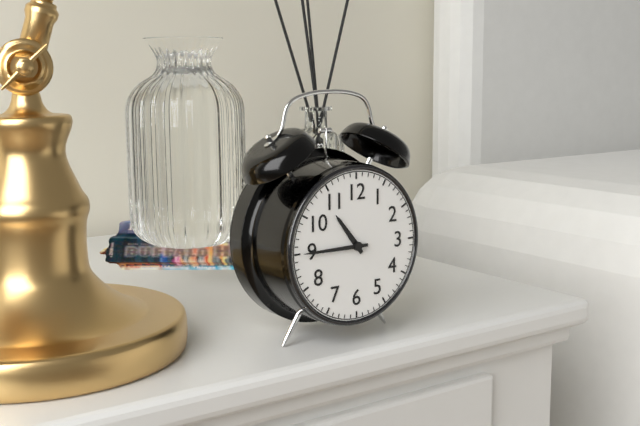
10:45
